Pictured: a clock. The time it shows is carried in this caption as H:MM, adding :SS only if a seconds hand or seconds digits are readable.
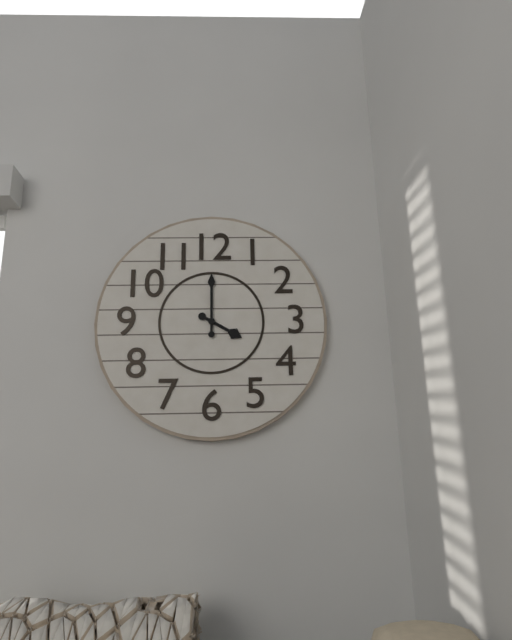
4:00
